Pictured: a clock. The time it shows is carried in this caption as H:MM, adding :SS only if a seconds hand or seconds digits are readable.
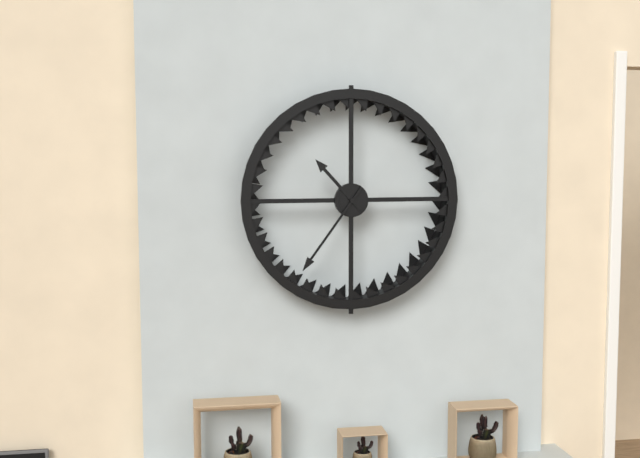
10:36
